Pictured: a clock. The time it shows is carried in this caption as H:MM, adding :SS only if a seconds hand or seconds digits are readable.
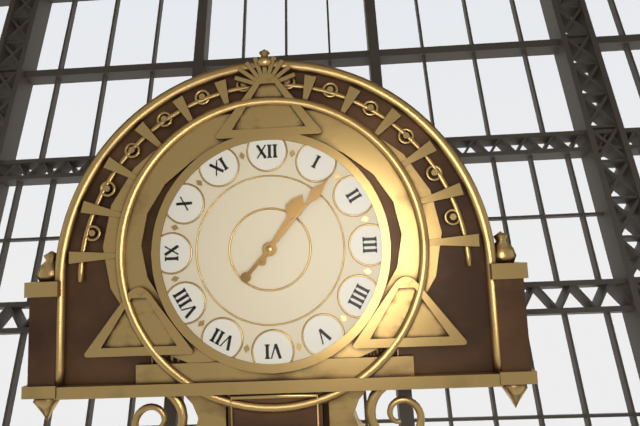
1:07
